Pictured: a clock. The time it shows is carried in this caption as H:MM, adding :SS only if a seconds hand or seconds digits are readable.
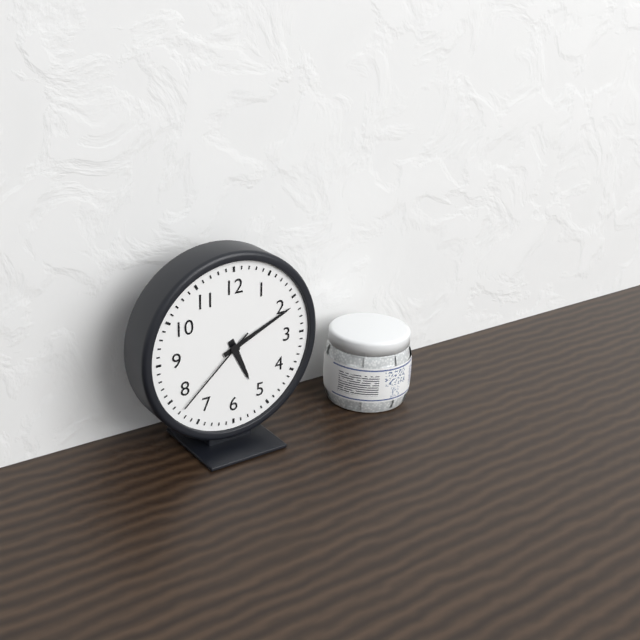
5:11:38
